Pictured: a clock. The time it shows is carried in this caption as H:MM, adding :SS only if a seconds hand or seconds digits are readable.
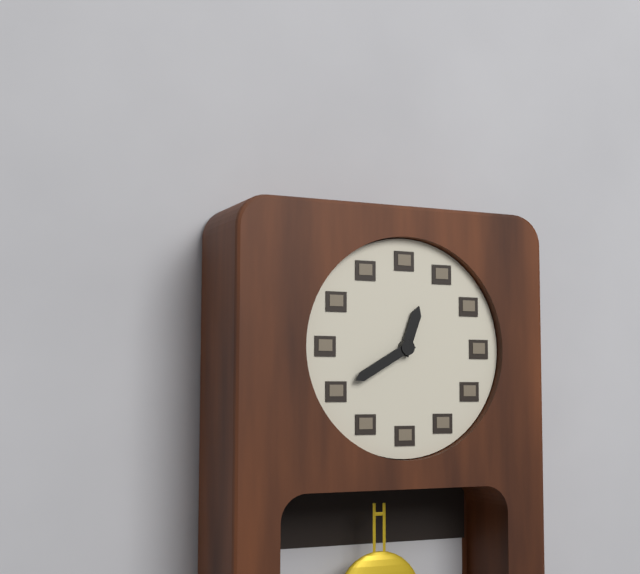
12:40
